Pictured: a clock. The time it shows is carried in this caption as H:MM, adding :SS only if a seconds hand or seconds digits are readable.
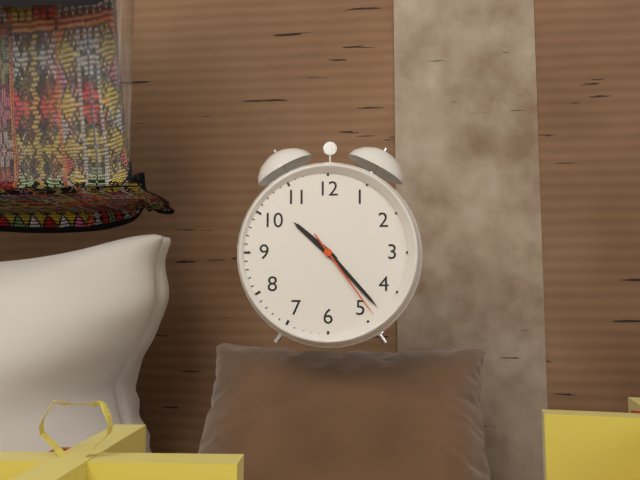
10:23:24
